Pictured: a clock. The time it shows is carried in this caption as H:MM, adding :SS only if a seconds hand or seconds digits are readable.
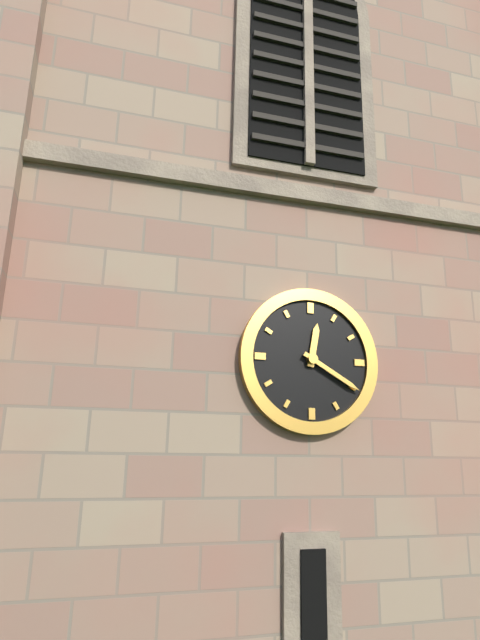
12:20
